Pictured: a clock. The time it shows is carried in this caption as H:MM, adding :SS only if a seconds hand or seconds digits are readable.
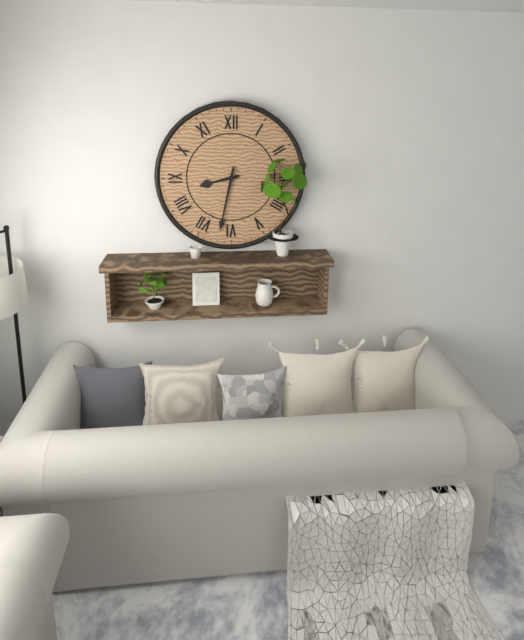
8:32
